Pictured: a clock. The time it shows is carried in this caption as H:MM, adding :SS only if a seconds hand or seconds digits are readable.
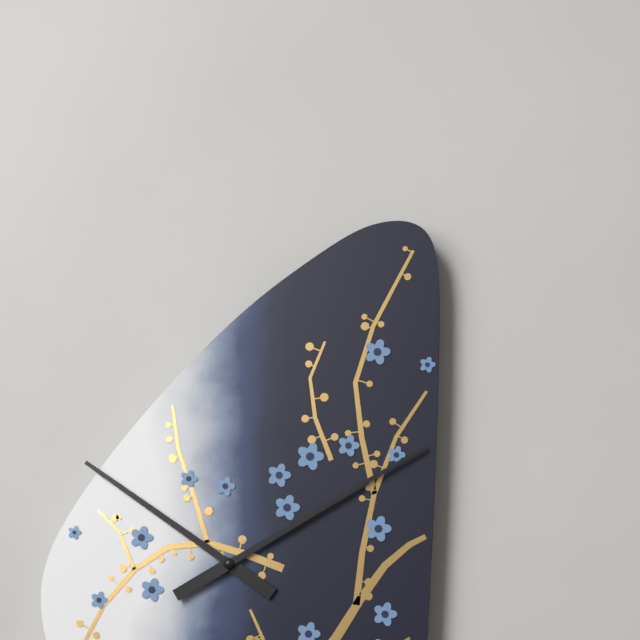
10:10
